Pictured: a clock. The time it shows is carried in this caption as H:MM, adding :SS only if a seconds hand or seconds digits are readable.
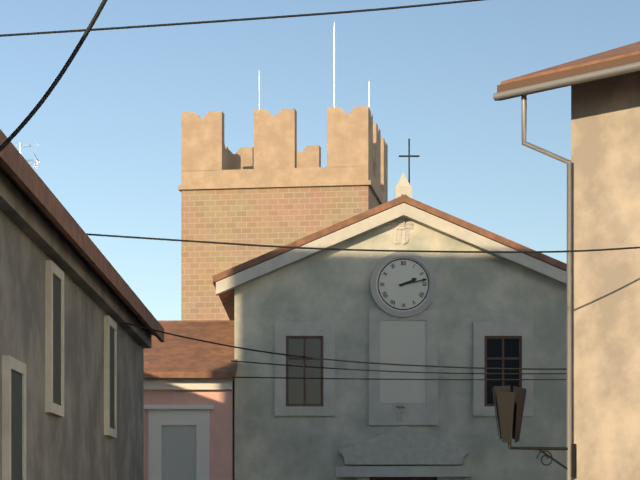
2:13
